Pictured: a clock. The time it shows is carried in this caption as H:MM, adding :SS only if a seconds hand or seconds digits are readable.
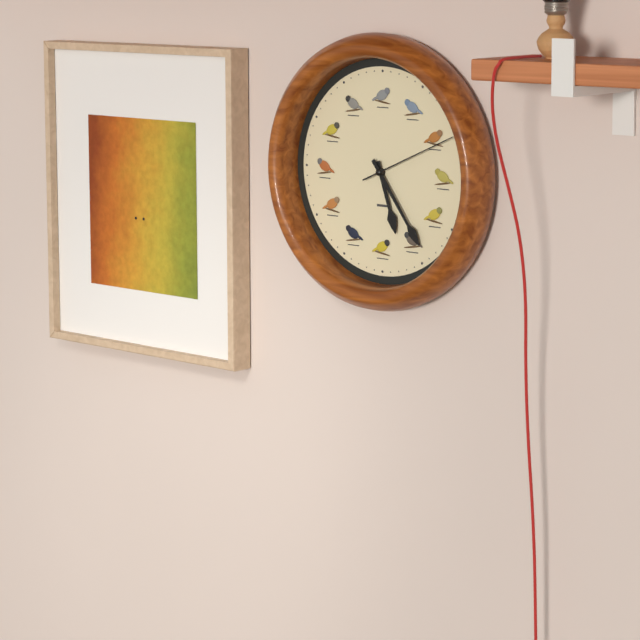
5:24:11
